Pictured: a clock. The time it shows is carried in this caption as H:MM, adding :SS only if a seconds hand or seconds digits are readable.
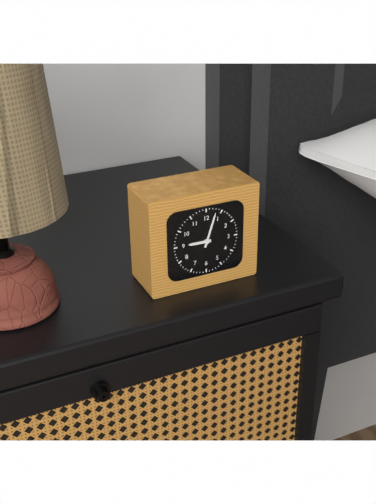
9:03
